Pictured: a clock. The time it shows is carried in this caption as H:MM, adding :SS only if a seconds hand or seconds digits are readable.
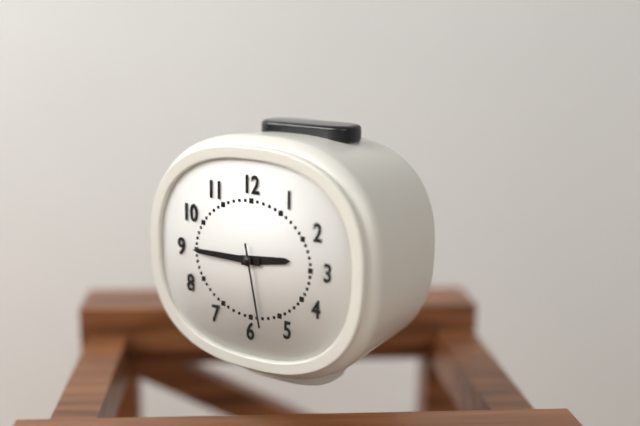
2:45:28
